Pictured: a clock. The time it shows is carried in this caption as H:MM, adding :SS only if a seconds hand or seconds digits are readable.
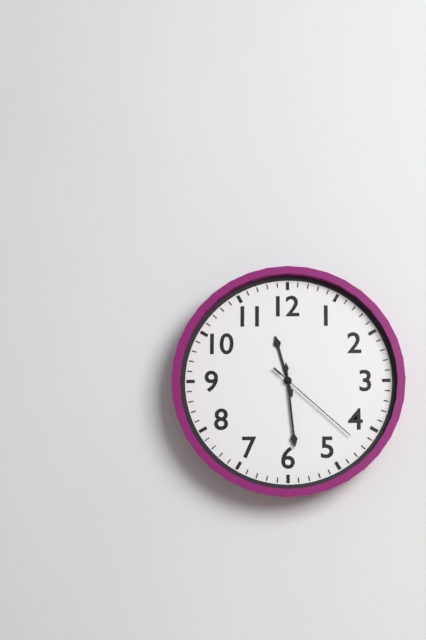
11:29:22
